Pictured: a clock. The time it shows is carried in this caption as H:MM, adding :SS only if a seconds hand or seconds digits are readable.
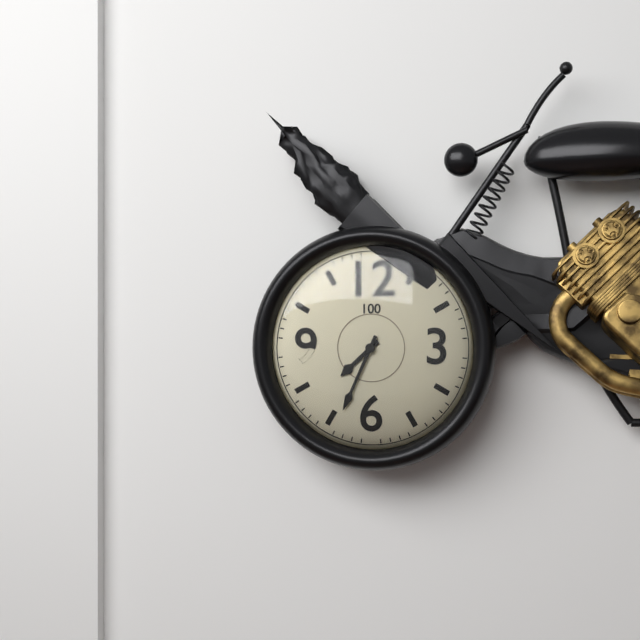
7:34
